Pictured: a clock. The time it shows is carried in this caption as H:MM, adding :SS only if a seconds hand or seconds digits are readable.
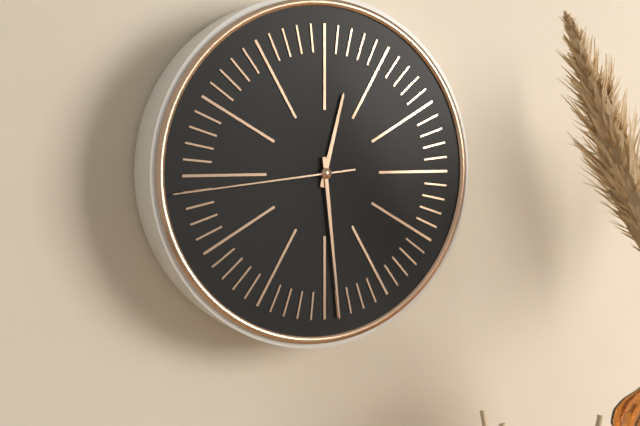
12:29:44
